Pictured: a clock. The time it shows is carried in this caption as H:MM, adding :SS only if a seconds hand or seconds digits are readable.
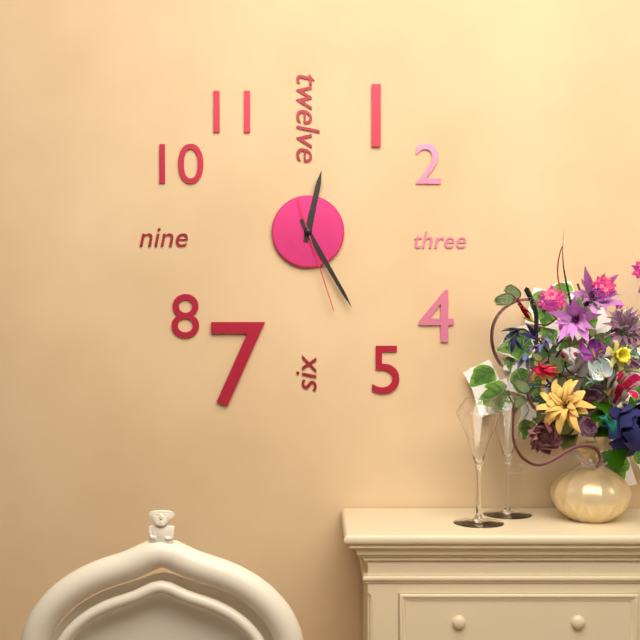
12:25:27
